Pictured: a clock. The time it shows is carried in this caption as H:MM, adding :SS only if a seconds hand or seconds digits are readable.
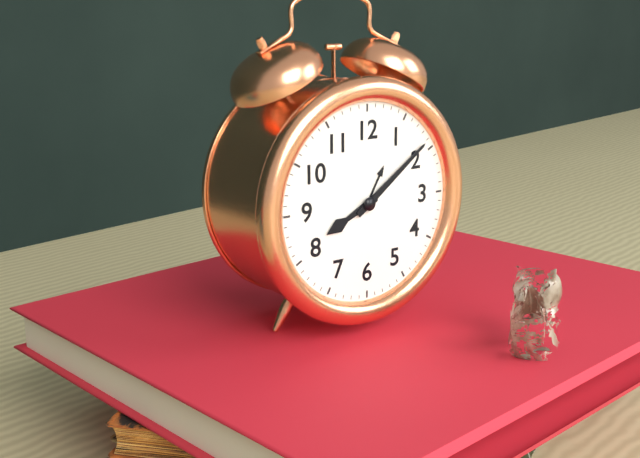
8:09
